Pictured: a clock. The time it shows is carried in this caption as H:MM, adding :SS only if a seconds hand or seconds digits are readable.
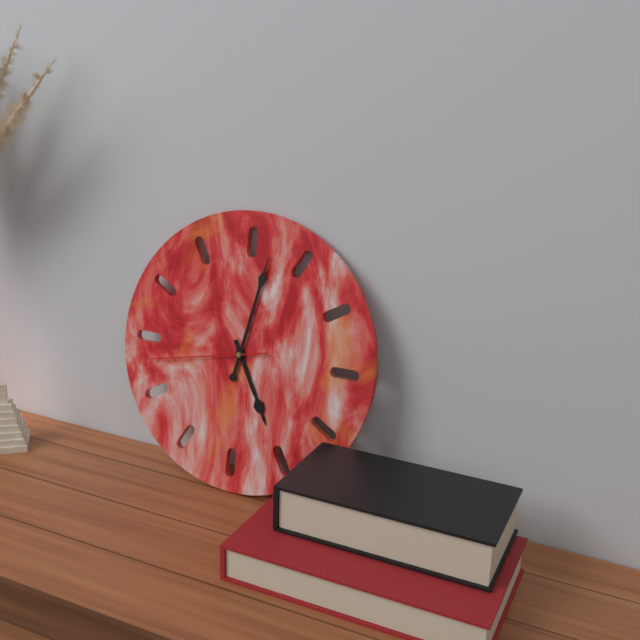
5:02:43
